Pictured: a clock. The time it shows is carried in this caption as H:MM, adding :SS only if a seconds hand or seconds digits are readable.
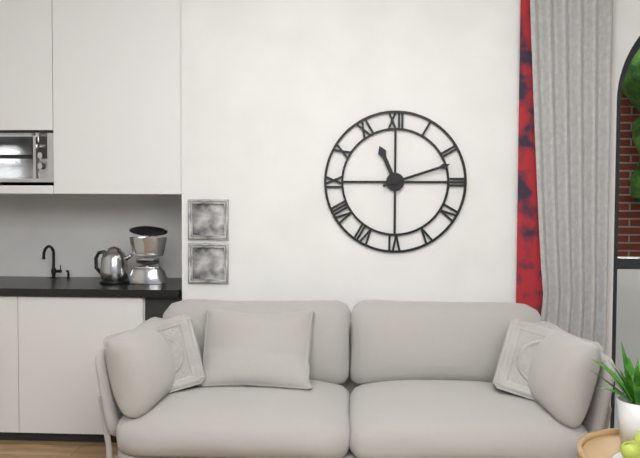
11:12
